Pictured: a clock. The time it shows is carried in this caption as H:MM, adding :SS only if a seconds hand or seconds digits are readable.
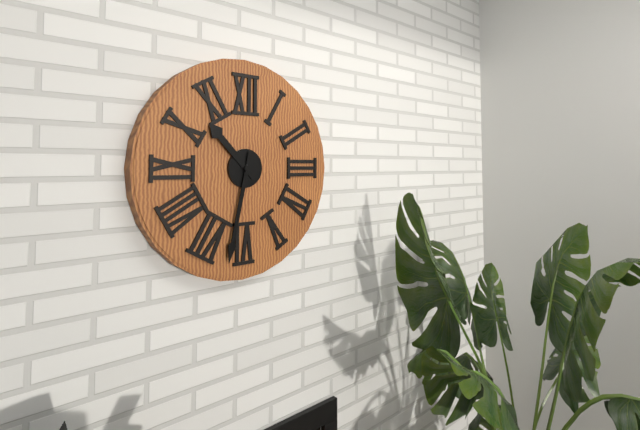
10:32
